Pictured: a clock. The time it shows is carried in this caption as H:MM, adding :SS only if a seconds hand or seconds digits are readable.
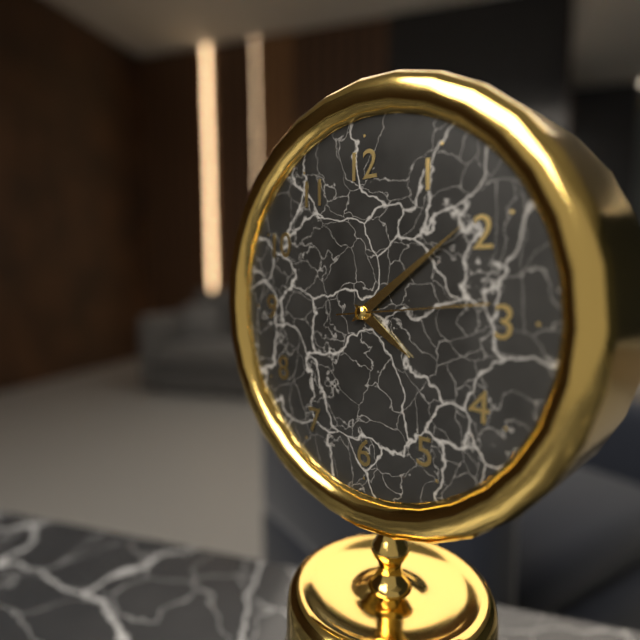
4:09:14
